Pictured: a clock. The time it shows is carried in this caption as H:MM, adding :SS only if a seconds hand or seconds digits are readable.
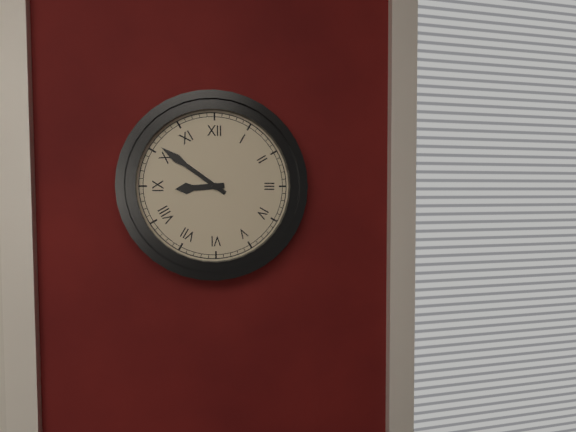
8:51
